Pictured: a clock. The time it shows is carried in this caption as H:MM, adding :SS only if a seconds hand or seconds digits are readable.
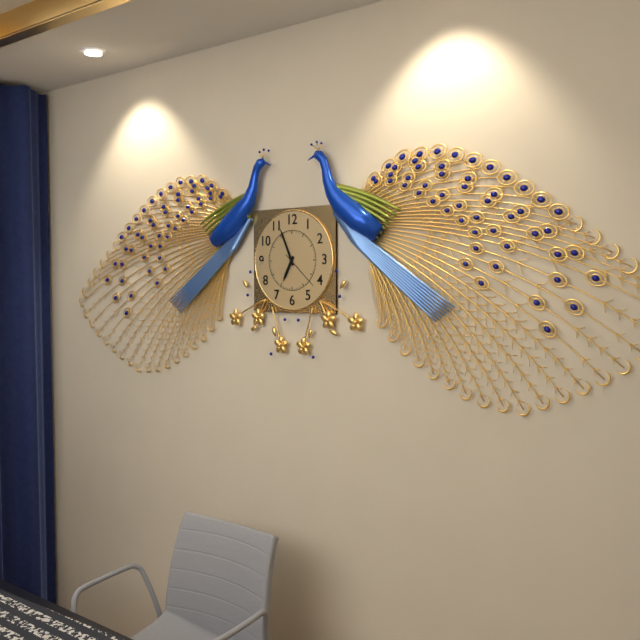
6:56
